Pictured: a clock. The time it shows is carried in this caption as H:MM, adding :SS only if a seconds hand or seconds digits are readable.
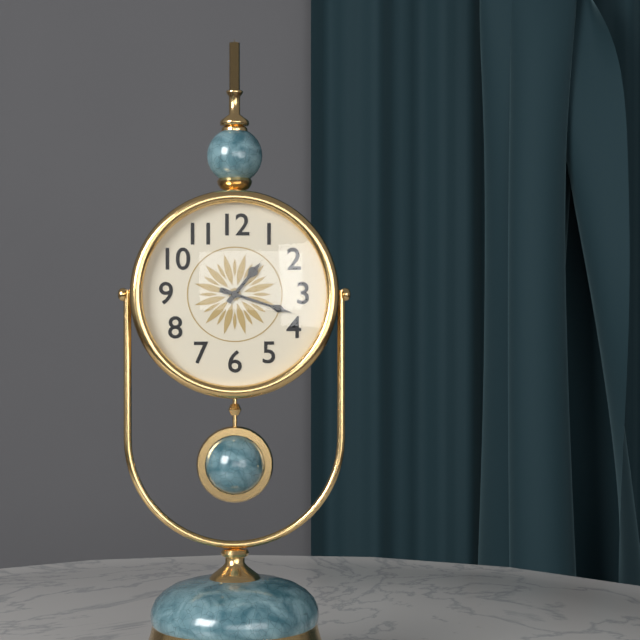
1:18
